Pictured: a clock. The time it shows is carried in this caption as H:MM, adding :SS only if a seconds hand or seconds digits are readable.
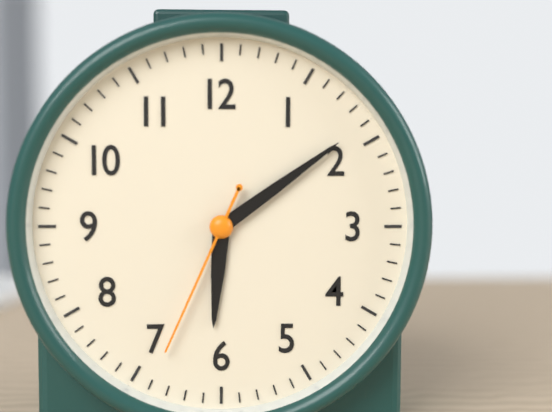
6:09:34
